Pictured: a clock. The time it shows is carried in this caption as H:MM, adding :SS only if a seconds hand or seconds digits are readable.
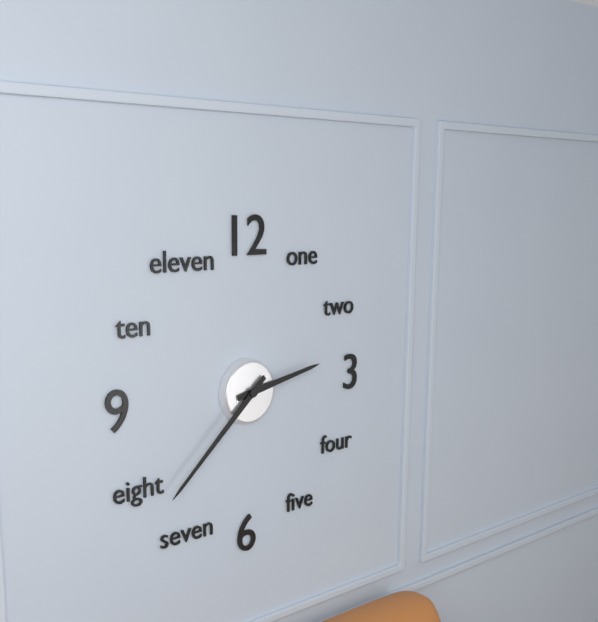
2:38
